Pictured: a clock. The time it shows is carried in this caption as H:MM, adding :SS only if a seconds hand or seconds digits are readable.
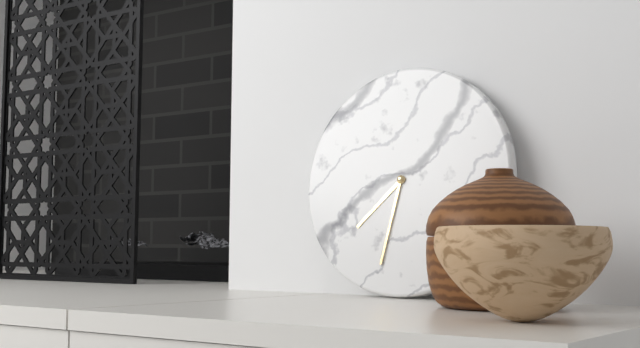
7:32
